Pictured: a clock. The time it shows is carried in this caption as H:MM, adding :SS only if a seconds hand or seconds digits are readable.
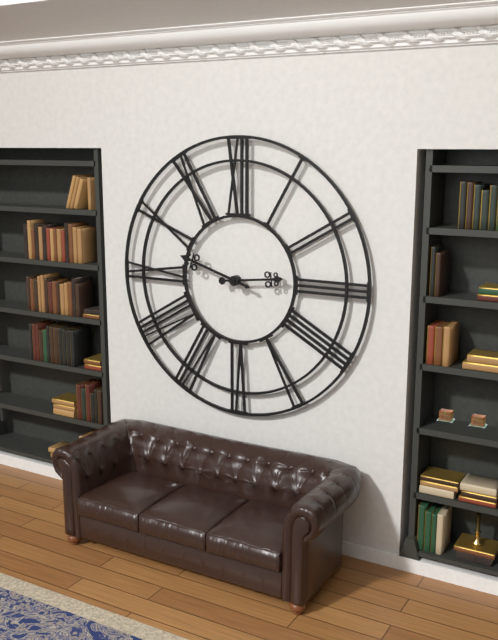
2:48
